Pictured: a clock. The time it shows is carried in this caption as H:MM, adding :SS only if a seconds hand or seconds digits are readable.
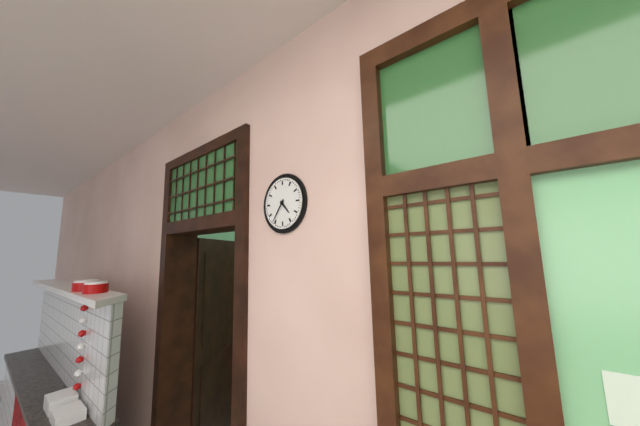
4:36
